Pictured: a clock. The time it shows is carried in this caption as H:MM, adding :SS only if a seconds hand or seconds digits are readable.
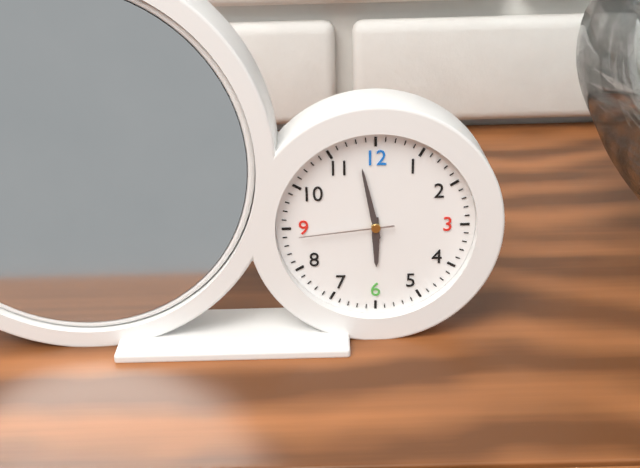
5:58:44
